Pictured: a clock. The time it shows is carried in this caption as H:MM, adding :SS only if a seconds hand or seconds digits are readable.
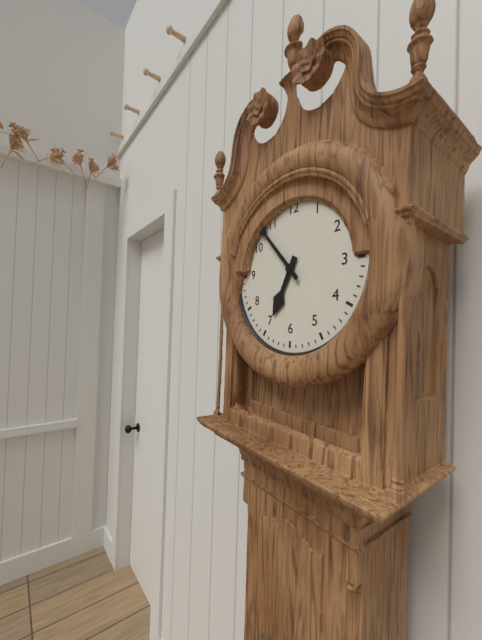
6:53
